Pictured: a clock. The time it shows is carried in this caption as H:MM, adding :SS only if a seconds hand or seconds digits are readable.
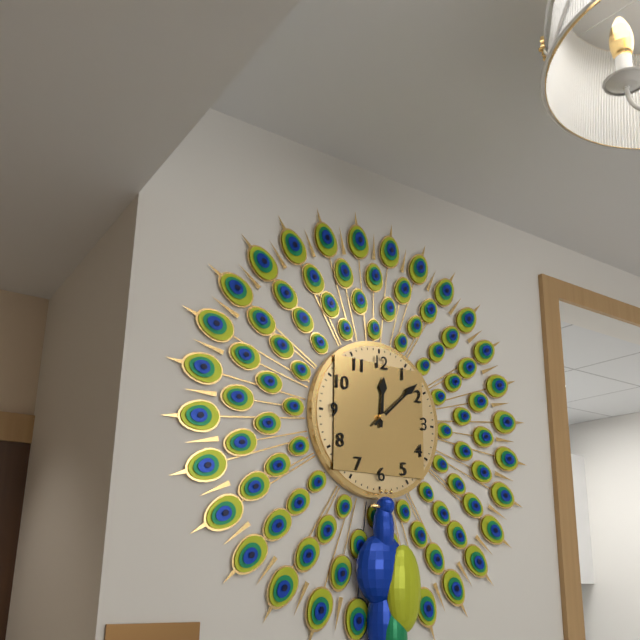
12:08
